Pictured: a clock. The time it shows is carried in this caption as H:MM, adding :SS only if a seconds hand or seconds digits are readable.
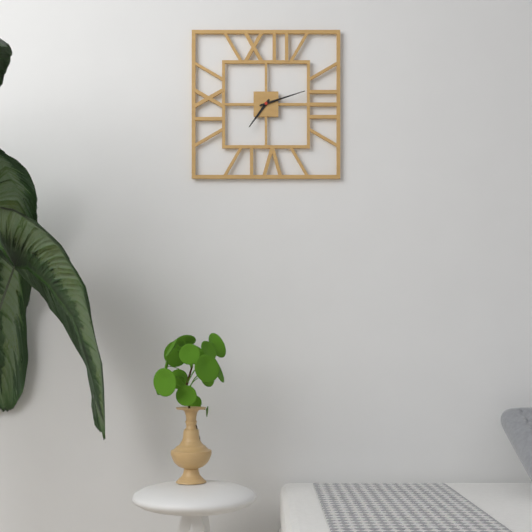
7:12
